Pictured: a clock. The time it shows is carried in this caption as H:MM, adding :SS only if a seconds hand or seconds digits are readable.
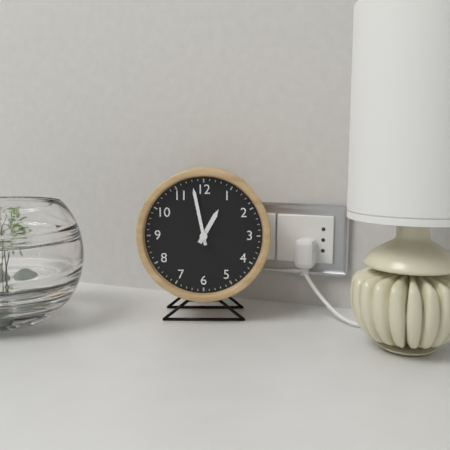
12:58
